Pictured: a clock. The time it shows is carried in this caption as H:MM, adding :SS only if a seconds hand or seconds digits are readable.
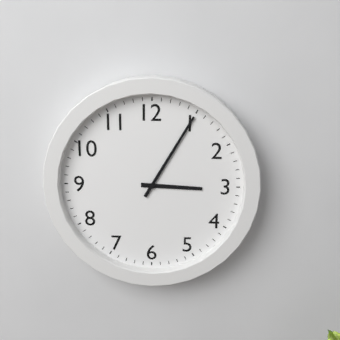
3:05
